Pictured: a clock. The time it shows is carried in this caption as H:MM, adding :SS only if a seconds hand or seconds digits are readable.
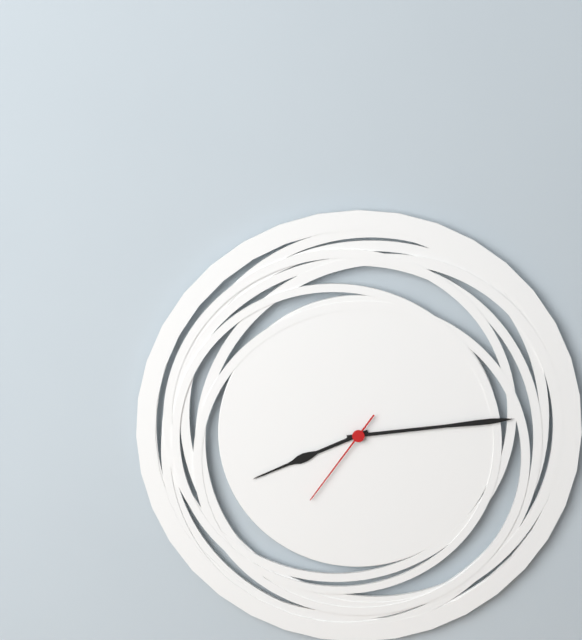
8:14:36
